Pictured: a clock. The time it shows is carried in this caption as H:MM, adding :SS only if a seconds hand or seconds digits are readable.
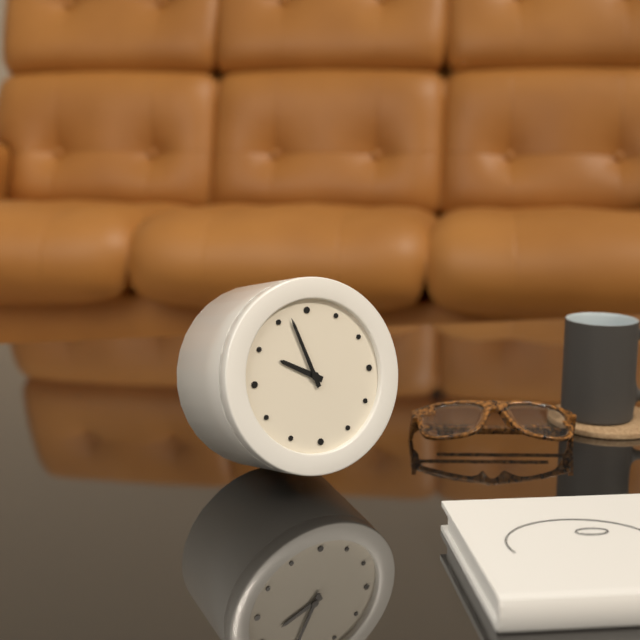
9:57
